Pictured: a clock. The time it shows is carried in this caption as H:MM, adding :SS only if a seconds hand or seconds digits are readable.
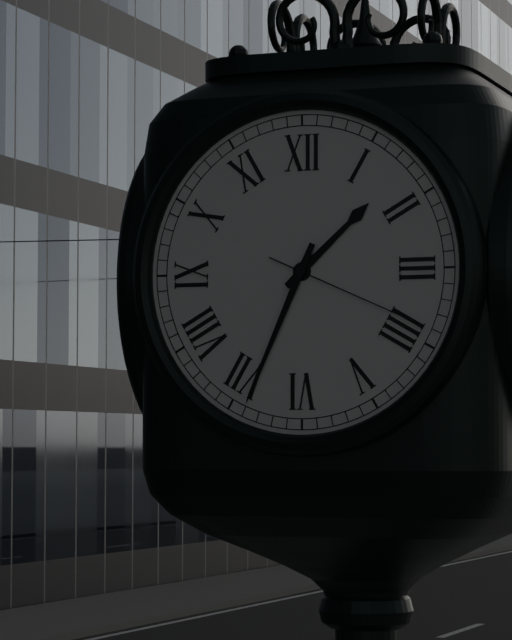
1:34:19
